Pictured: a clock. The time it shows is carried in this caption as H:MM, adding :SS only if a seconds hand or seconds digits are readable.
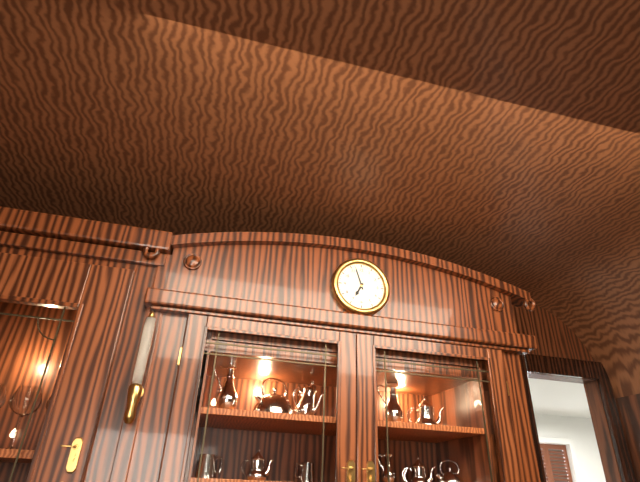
6:57
